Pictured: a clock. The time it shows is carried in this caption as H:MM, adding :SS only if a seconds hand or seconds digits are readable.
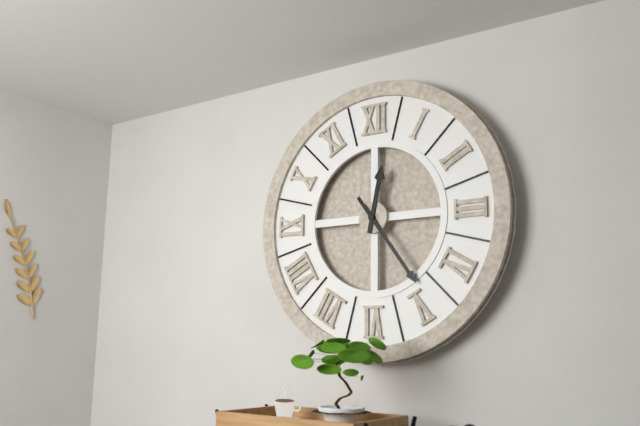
12:24
